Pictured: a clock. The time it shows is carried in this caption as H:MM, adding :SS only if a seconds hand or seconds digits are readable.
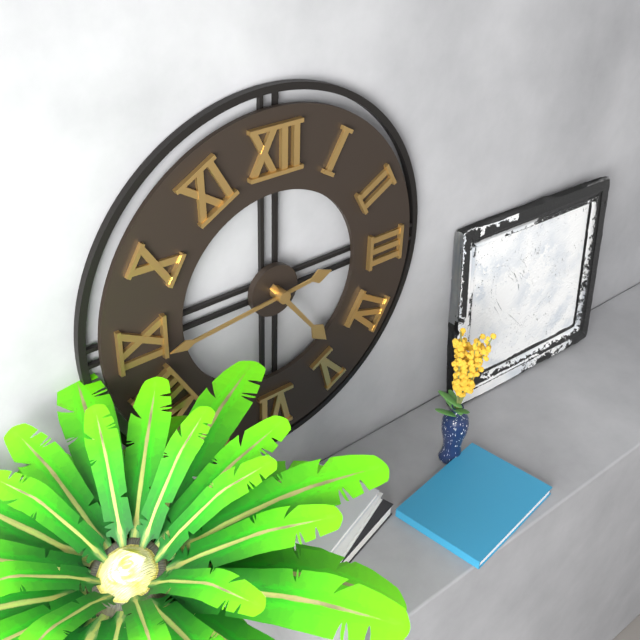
4:44
